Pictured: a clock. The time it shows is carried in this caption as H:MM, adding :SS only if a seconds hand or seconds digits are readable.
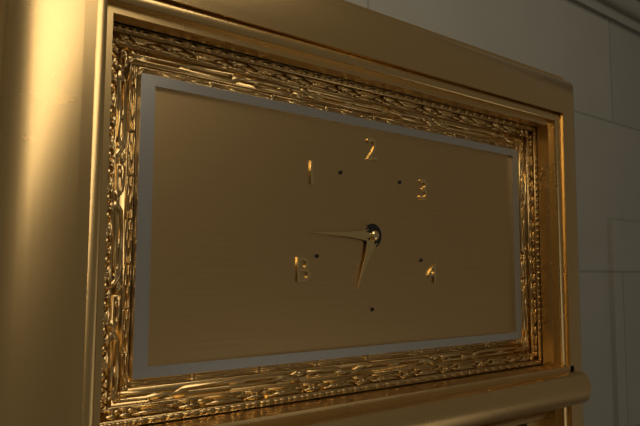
6:45
